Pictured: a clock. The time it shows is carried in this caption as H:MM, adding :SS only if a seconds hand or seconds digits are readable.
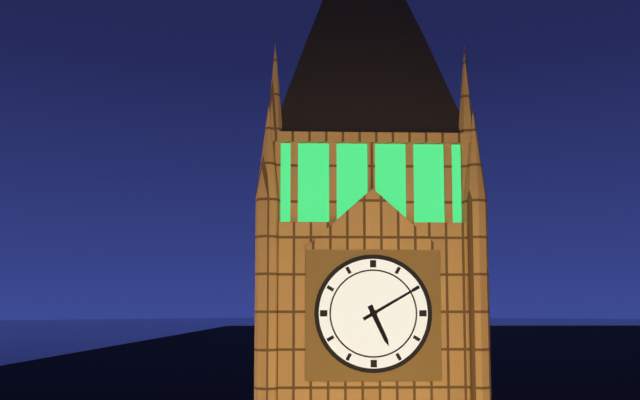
5:10
